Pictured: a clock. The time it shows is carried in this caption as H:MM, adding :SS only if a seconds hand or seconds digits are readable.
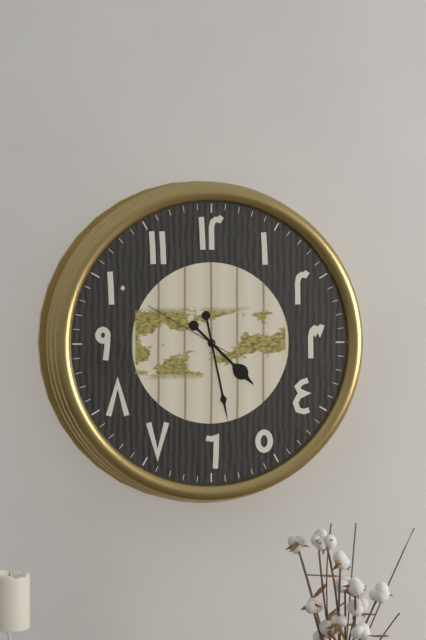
4:28:50
